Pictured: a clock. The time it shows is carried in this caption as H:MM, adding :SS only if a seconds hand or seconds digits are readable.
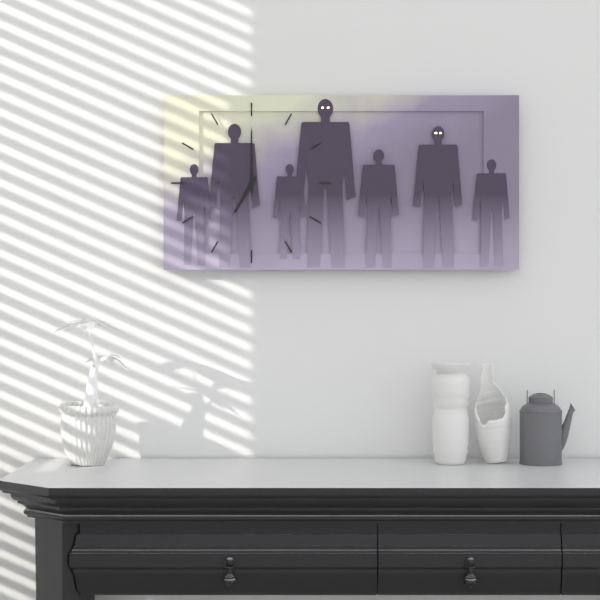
7:00
